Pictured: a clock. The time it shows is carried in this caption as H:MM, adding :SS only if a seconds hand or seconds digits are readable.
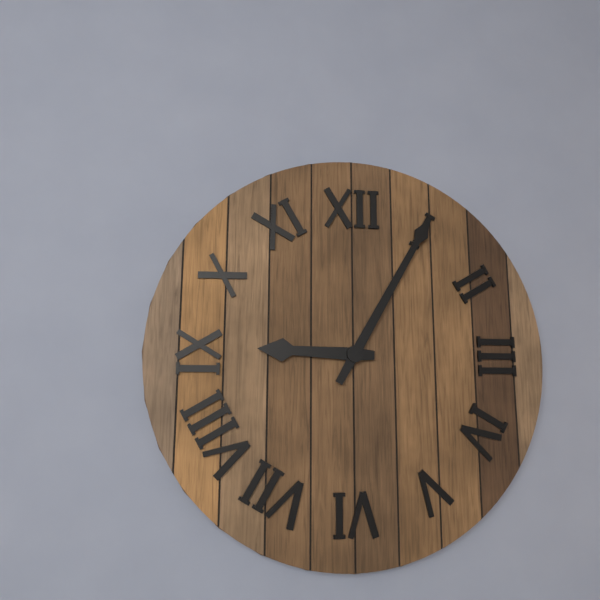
9:05
